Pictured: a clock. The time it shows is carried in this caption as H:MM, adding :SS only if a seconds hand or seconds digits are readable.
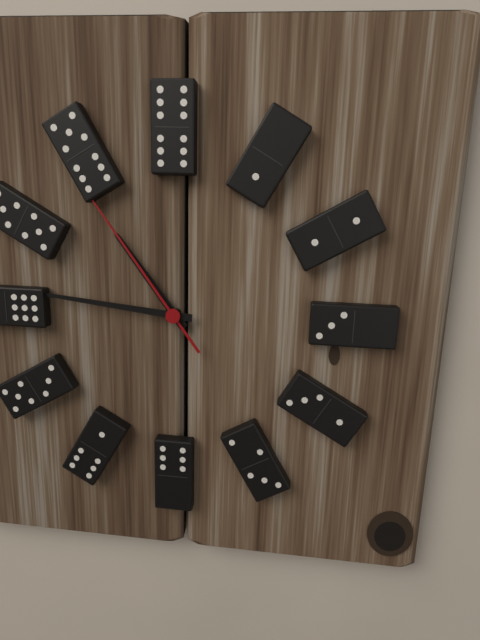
10:46:54
